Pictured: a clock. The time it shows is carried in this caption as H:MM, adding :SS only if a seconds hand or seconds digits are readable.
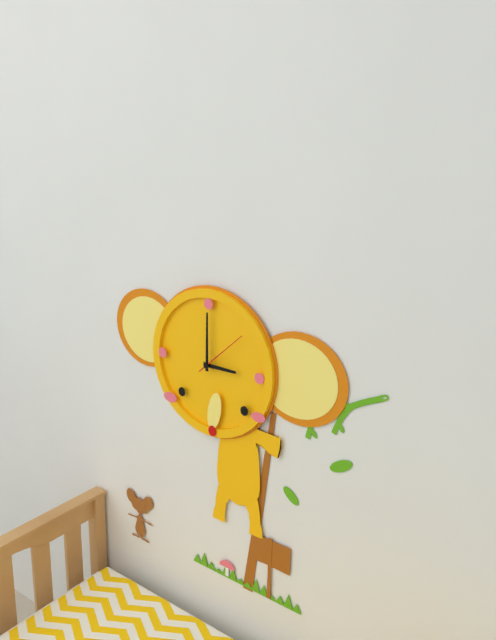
3:00:08
